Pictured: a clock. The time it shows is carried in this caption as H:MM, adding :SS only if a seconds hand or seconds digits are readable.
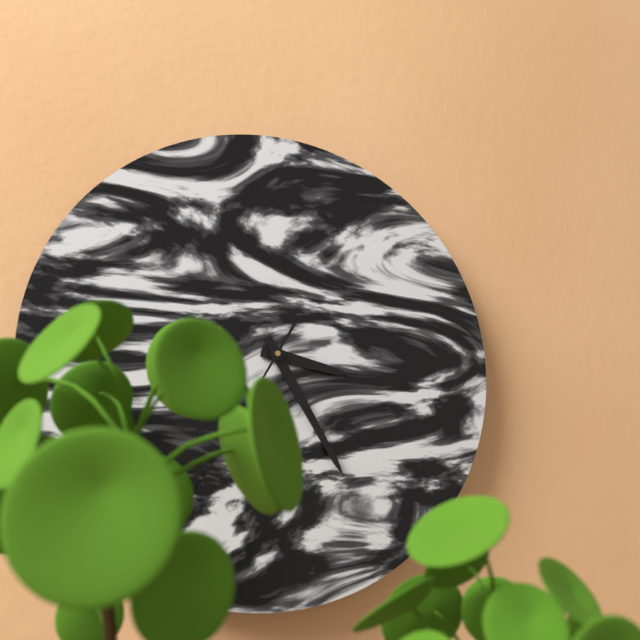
3:25:35
